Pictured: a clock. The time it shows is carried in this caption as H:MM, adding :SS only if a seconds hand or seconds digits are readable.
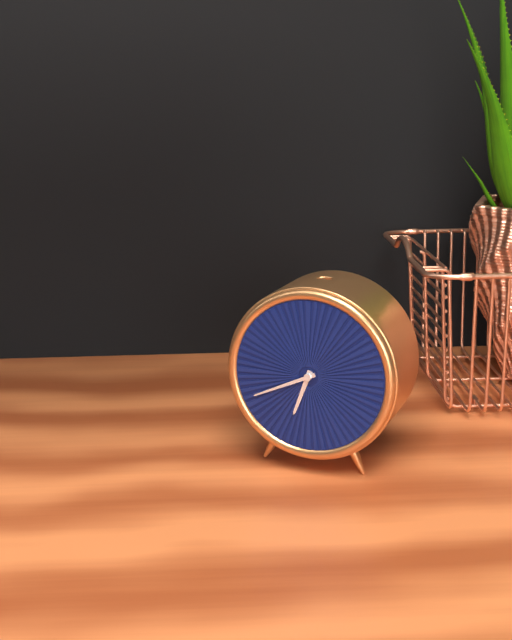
6:41
